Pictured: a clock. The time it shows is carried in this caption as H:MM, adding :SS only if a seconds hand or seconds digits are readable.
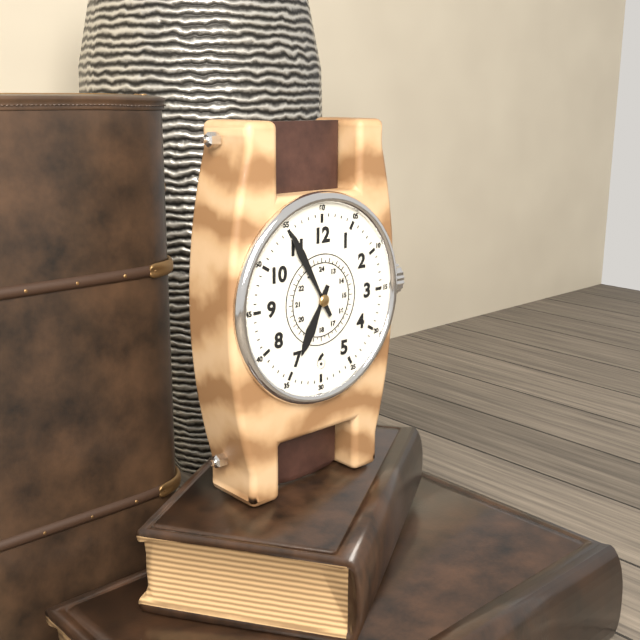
6:55
